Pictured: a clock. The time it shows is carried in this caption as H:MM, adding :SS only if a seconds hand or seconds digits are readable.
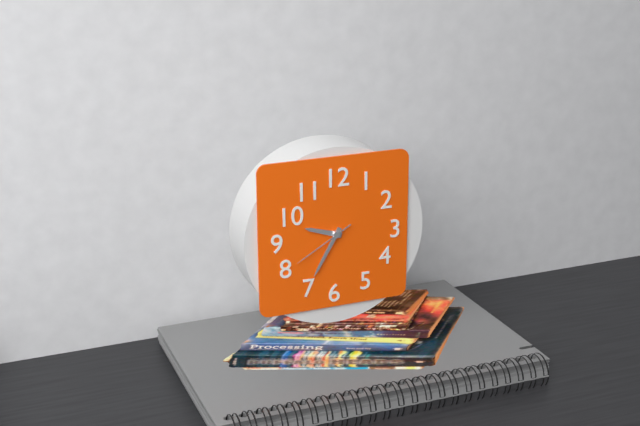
9:35:40
